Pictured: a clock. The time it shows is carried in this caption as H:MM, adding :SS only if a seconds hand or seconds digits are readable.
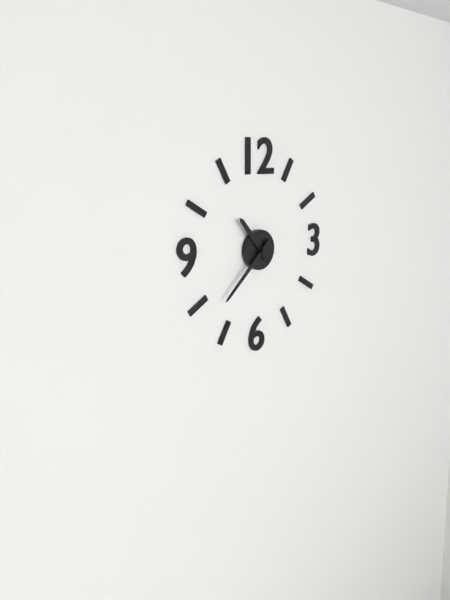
10:38
